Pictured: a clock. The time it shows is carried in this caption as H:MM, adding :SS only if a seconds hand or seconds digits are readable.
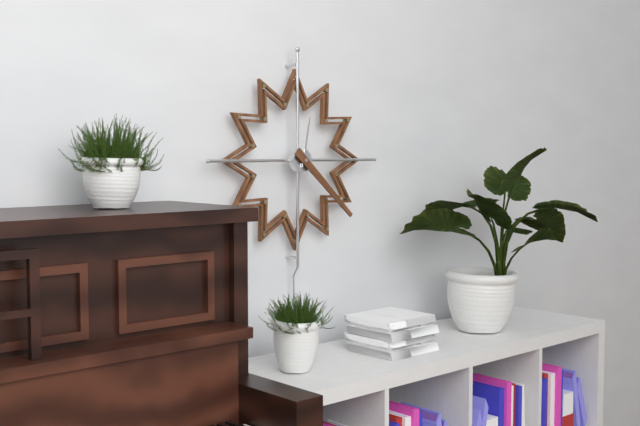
12:22
